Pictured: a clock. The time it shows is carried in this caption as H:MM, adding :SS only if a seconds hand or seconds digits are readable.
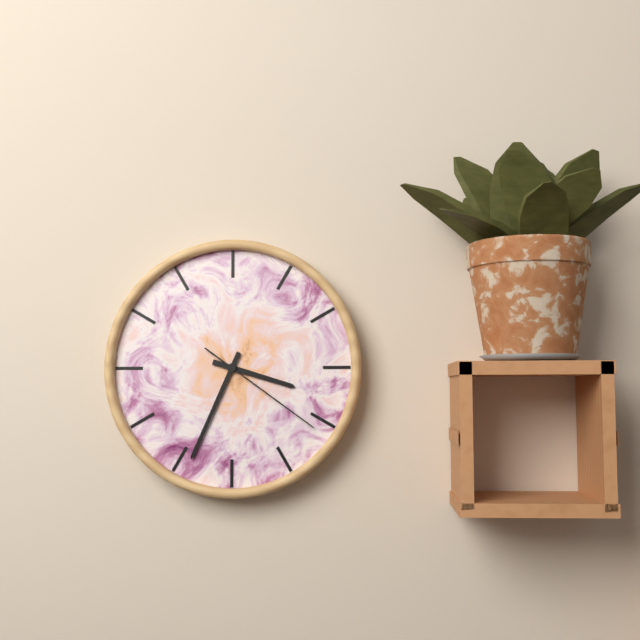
3:34:21
